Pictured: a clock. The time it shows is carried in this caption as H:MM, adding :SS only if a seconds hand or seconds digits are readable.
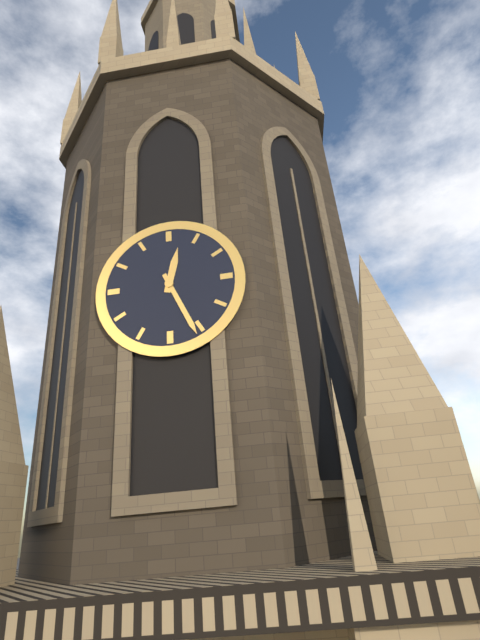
12:26
